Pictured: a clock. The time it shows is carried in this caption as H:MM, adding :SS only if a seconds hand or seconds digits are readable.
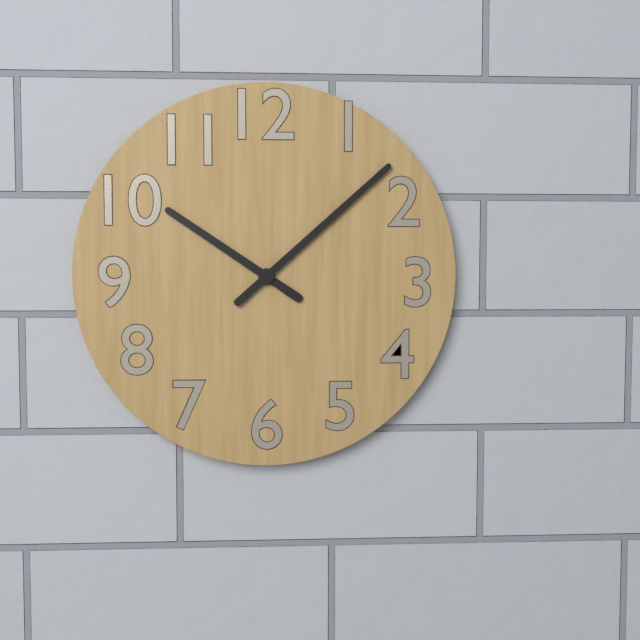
10:08
